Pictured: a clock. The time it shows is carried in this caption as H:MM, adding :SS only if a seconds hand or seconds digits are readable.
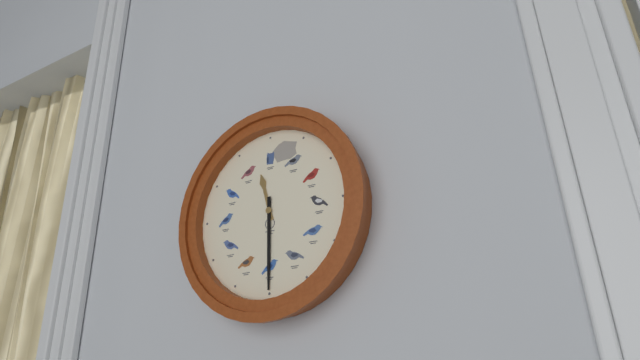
11:30
